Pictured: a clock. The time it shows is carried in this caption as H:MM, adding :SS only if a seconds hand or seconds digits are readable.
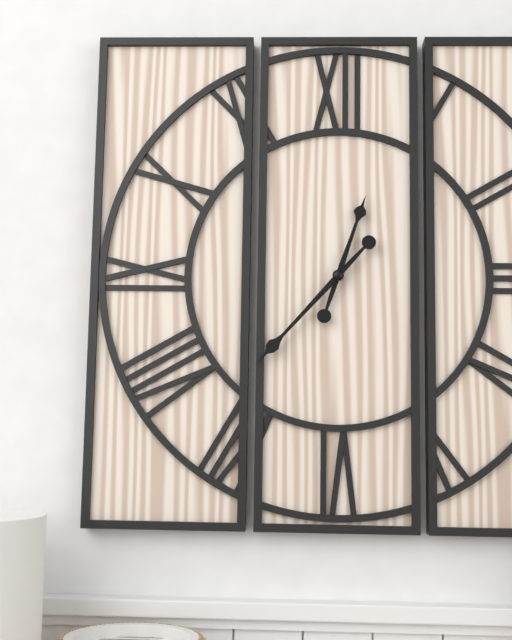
12:37
